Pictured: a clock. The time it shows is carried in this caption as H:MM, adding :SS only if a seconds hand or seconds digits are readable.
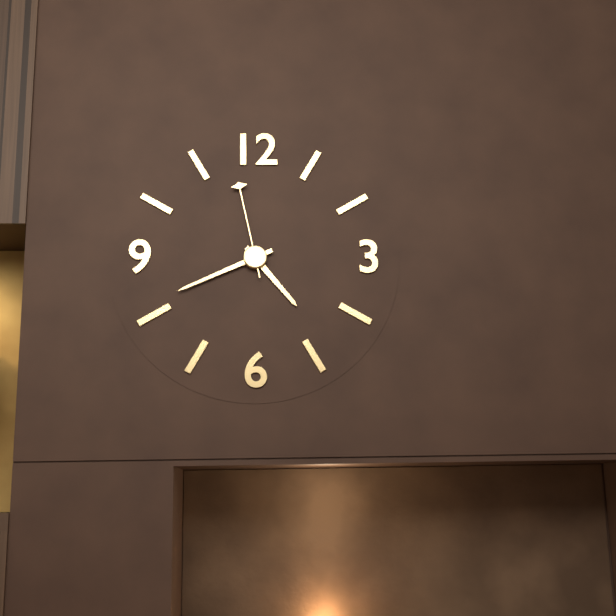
4:41:58
